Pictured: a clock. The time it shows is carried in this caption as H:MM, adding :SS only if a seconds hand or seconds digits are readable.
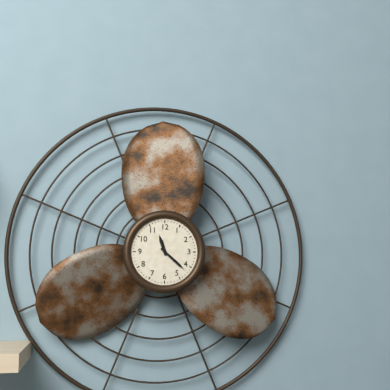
11:22
